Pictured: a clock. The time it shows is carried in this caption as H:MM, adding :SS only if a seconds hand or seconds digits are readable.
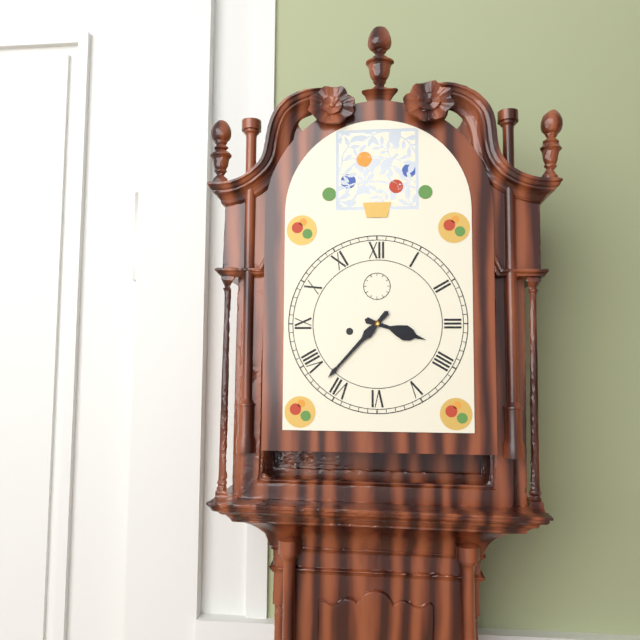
3:37
